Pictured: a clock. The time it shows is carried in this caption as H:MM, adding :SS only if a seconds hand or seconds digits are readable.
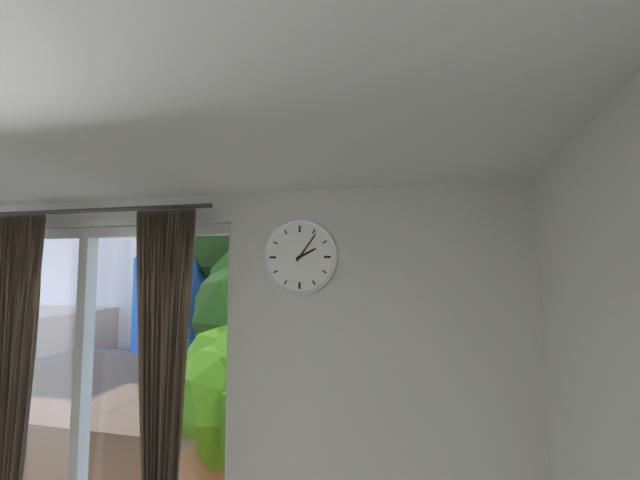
2:06
